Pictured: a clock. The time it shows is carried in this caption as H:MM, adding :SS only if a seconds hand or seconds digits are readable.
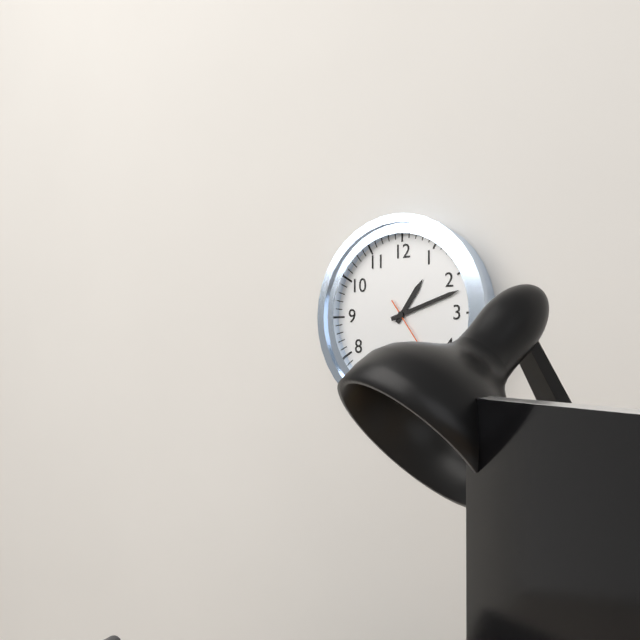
1:12
